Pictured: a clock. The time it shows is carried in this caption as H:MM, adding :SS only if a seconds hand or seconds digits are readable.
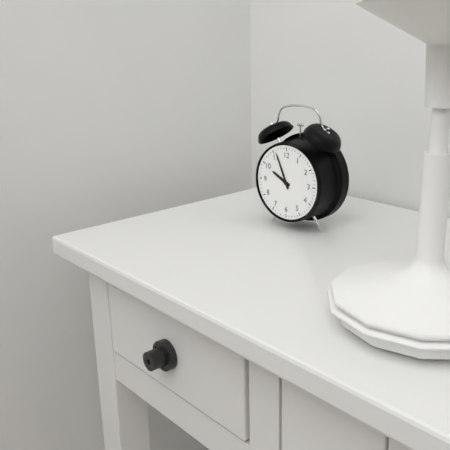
9:56
